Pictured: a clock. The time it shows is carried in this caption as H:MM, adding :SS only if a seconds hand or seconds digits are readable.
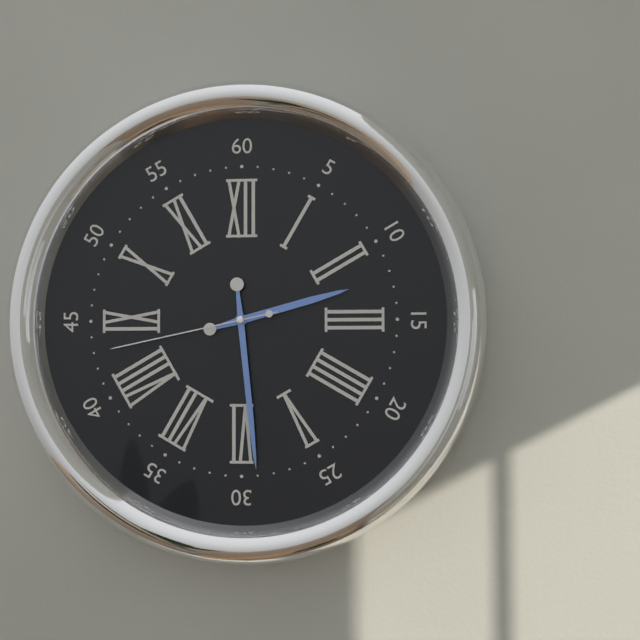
2:29:43
